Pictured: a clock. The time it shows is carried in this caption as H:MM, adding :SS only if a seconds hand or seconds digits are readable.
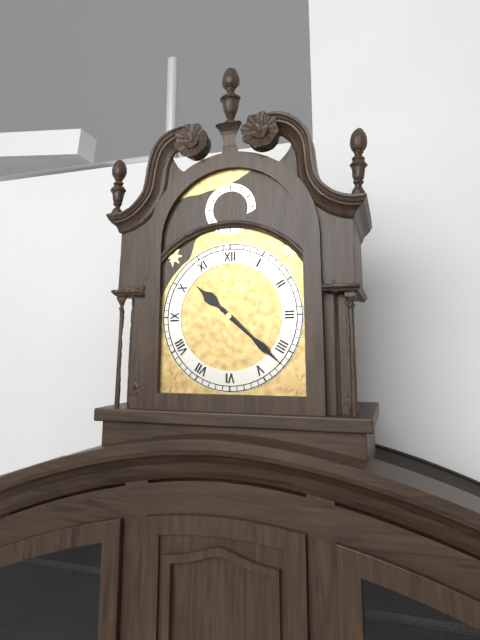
10:22
